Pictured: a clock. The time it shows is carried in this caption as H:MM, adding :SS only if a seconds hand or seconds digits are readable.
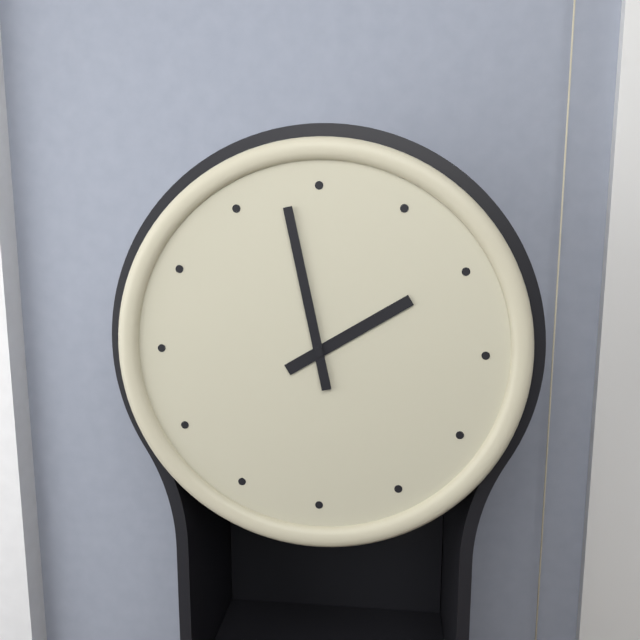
1:58
